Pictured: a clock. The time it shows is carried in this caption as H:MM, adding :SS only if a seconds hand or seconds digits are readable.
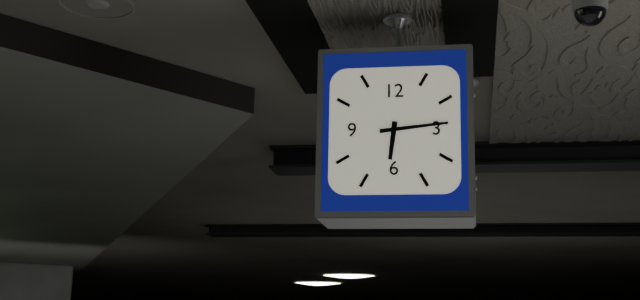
6:14
